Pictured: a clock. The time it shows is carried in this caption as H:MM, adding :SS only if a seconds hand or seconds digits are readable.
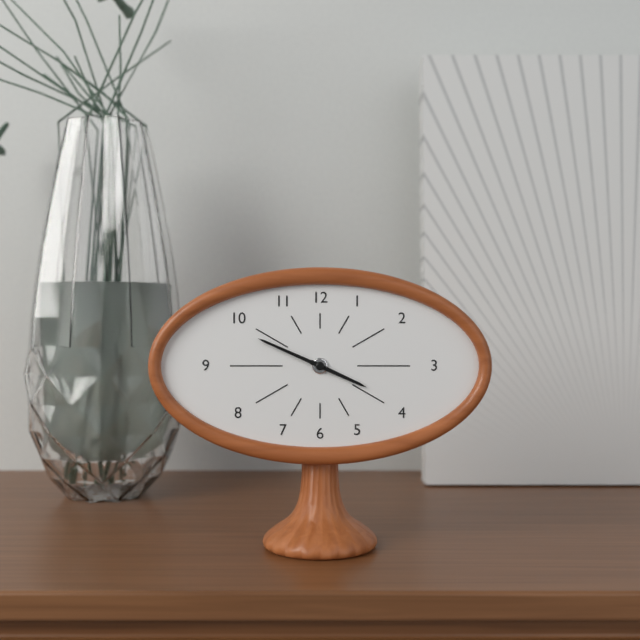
3:49
